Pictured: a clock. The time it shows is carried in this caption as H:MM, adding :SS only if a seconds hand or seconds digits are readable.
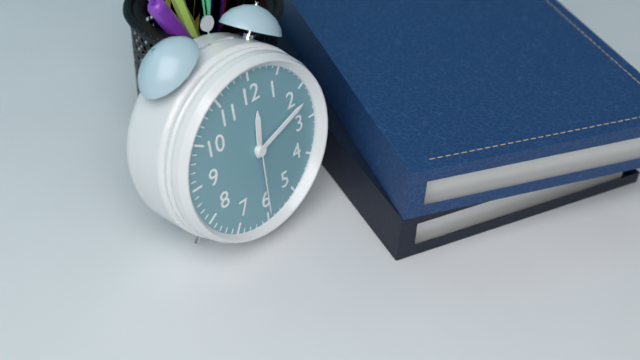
12:12:30
